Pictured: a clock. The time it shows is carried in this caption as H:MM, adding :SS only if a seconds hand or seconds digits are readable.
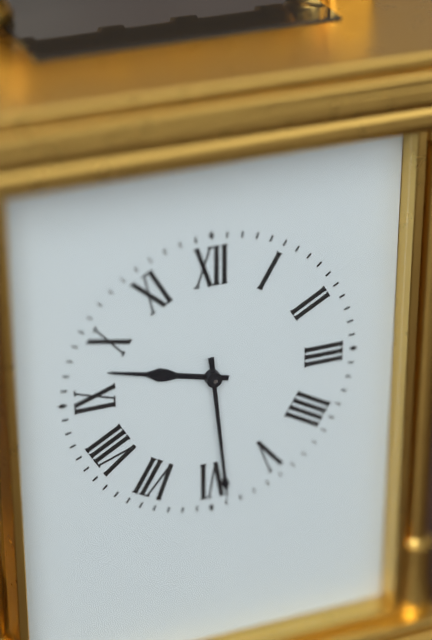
9:29
